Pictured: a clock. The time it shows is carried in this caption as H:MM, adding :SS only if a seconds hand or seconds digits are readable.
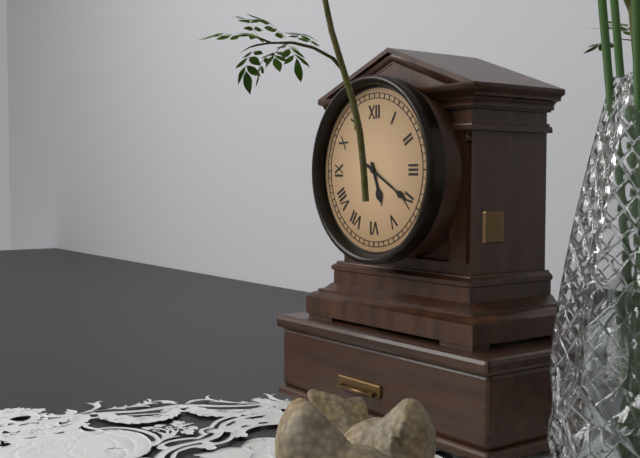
5:20
